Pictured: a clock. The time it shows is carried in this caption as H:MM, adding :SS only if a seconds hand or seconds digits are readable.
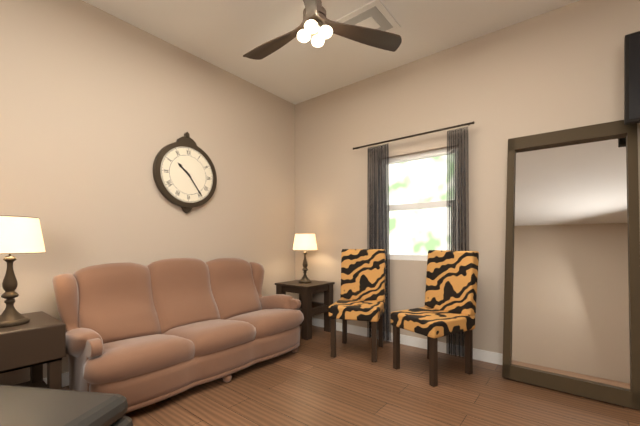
10:24
